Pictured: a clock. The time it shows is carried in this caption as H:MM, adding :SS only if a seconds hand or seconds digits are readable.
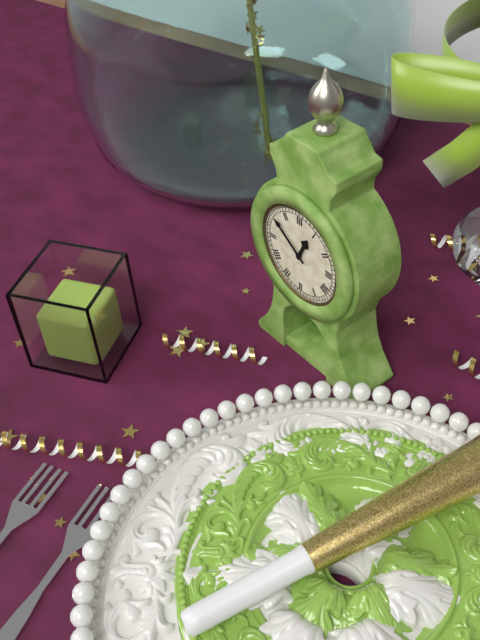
12:51
